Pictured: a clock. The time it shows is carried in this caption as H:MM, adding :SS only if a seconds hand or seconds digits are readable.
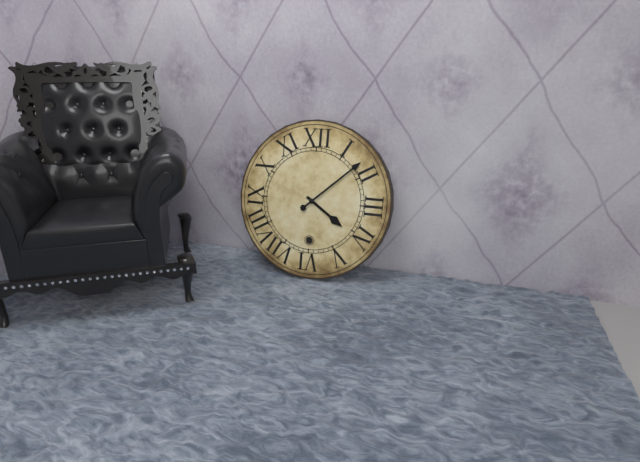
4:08
